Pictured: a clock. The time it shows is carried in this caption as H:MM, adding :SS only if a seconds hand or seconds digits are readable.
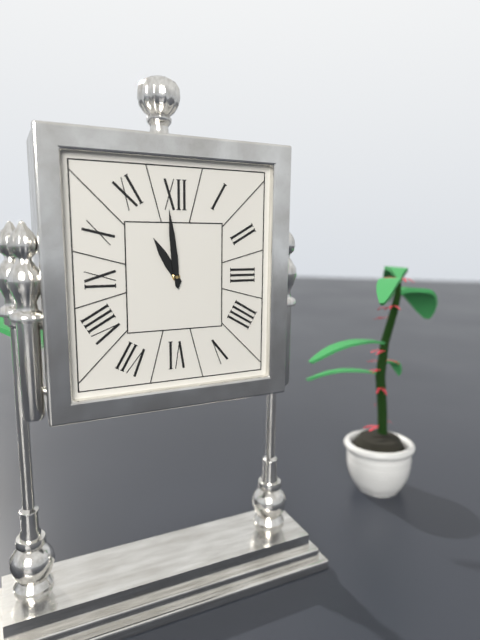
10:59
